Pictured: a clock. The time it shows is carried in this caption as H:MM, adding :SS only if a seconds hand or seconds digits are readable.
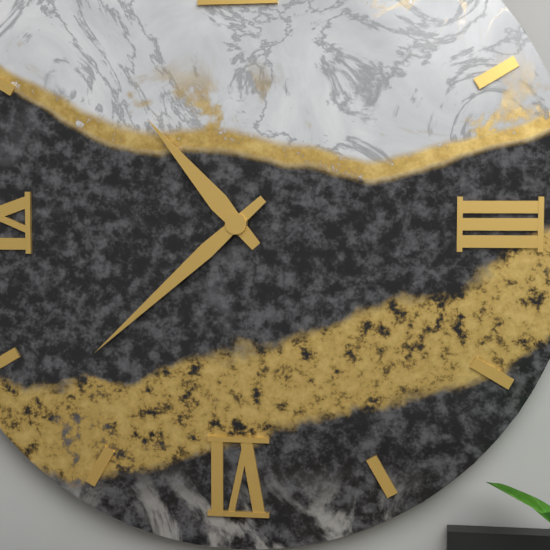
10:38
